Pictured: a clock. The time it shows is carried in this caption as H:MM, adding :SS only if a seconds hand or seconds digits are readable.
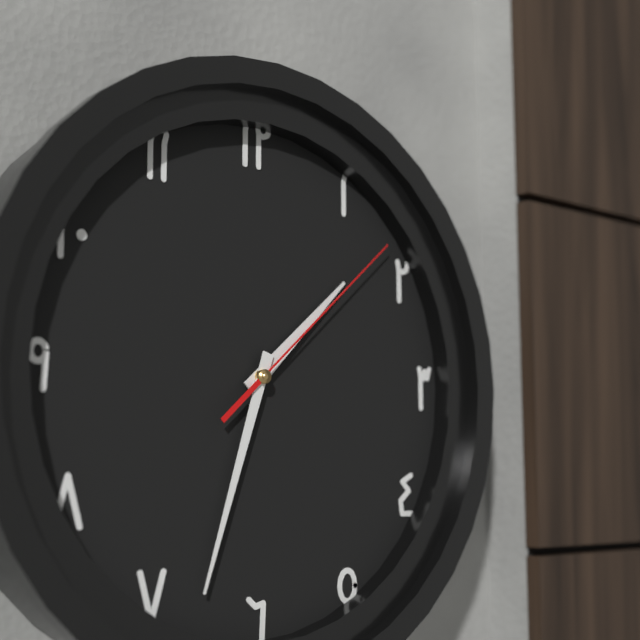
1:33:08
